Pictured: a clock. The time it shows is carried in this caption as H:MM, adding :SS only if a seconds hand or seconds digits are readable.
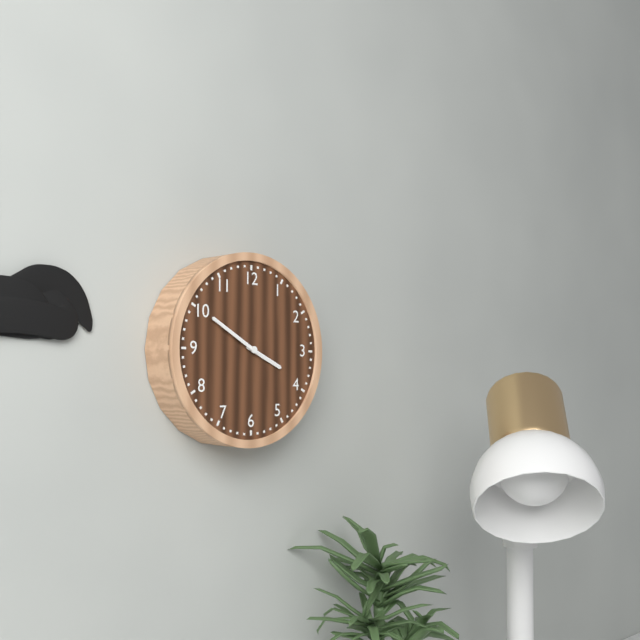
3:50
